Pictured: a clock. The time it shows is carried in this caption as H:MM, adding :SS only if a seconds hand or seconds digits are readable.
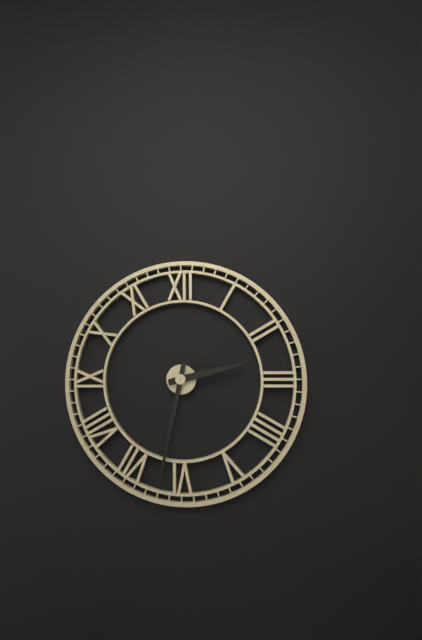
2:32
